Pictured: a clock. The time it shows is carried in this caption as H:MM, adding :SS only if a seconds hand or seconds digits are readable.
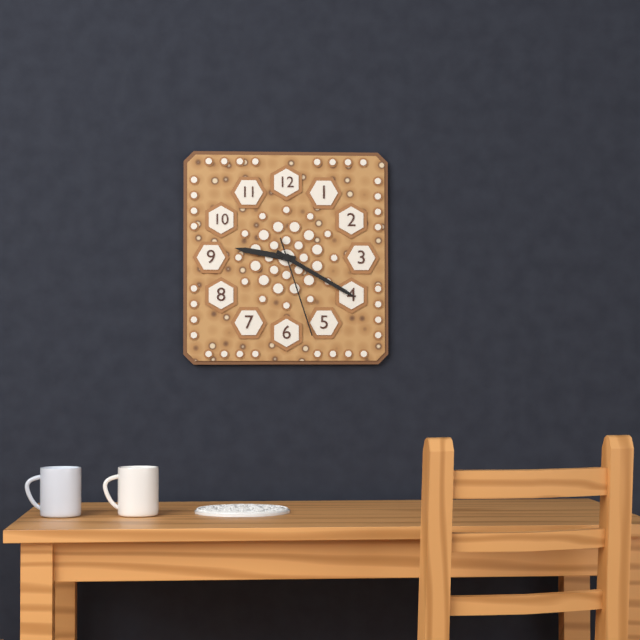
9:20:27
